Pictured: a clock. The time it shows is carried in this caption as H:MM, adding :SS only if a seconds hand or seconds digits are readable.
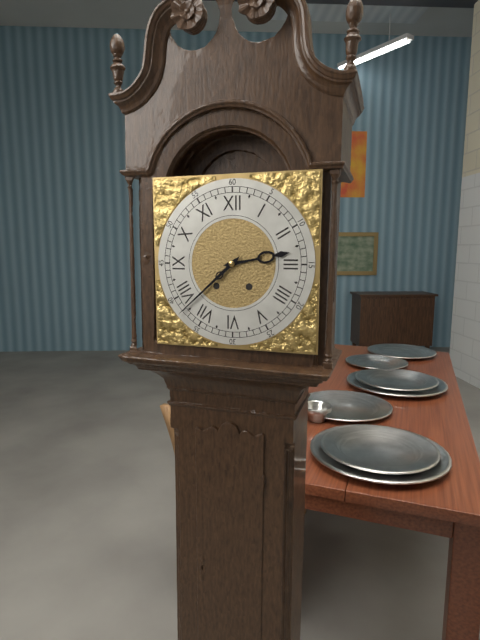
2:38
